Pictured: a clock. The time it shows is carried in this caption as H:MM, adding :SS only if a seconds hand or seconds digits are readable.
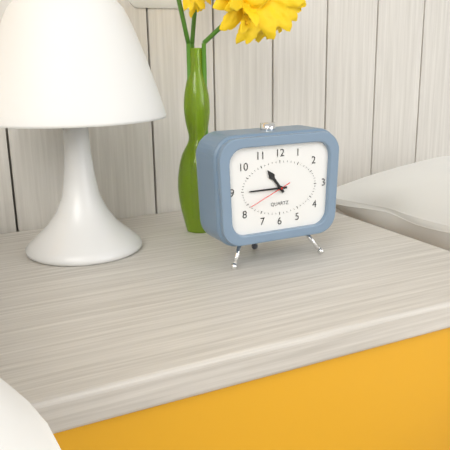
10:45
